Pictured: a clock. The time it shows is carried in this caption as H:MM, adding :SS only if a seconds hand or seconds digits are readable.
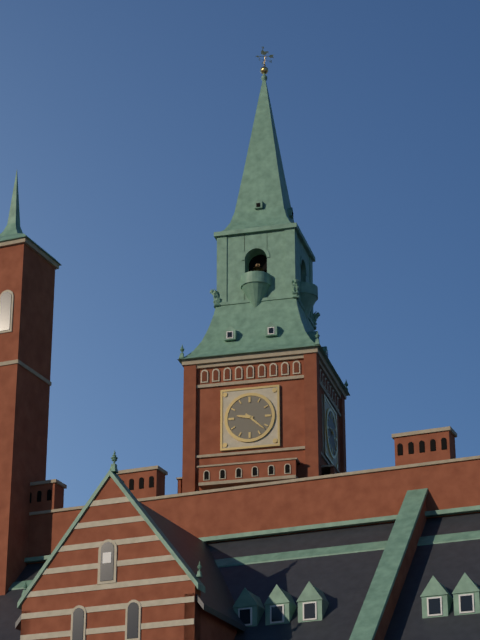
9:22
